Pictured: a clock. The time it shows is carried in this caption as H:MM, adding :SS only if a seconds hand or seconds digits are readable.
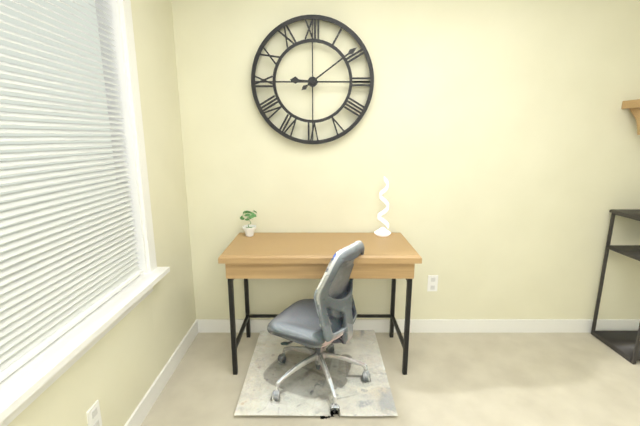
9:09
